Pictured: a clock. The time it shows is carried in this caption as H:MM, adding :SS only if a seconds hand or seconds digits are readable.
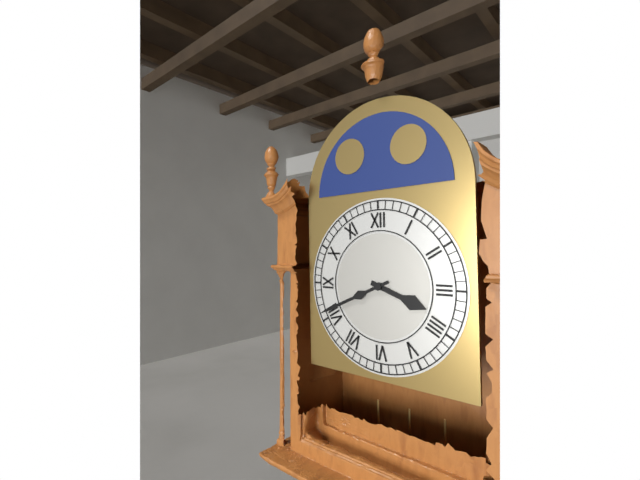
3:41
